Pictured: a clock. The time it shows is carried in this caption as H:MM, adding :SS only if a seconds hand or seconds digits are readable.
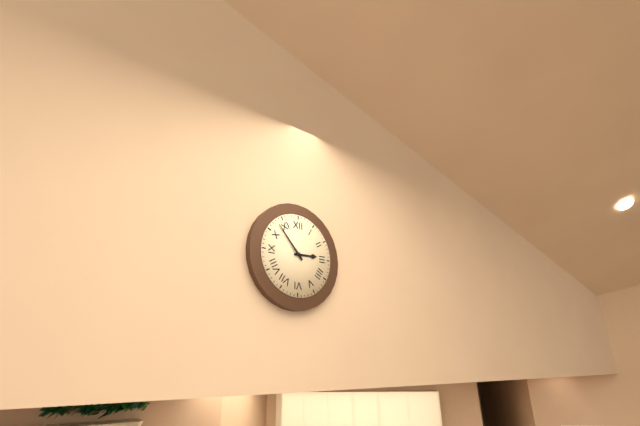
2:53
